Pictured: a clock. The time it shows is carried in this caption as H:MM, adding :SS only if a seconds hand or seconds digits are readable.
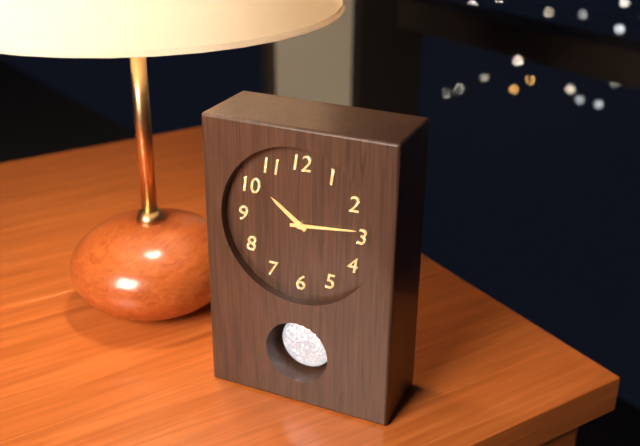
10:14
